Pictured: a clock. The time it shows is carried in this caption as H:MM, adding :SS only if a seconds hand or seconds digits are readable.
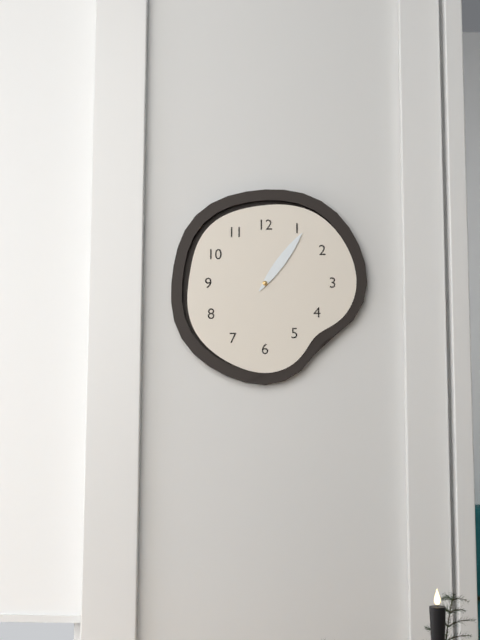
1:06
